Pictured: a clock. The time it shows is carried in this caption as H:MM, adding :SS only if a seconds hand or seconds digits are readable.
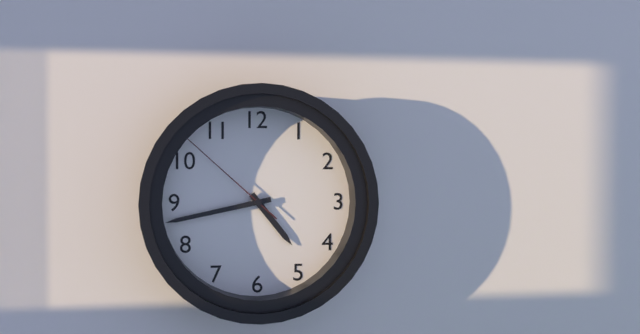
4:43:52
